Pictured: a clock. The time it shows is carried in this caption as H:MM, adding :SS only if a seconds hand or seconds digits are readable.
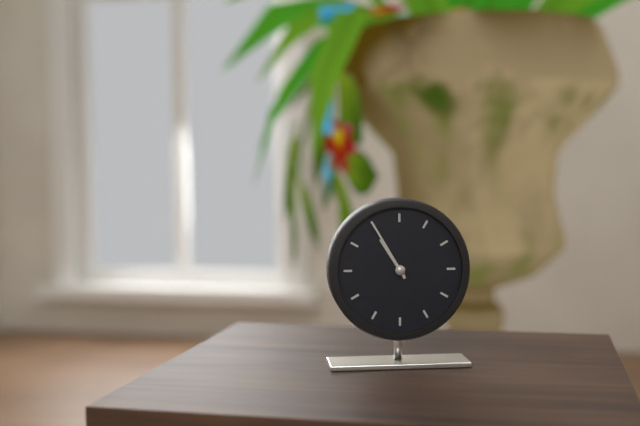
10:55
